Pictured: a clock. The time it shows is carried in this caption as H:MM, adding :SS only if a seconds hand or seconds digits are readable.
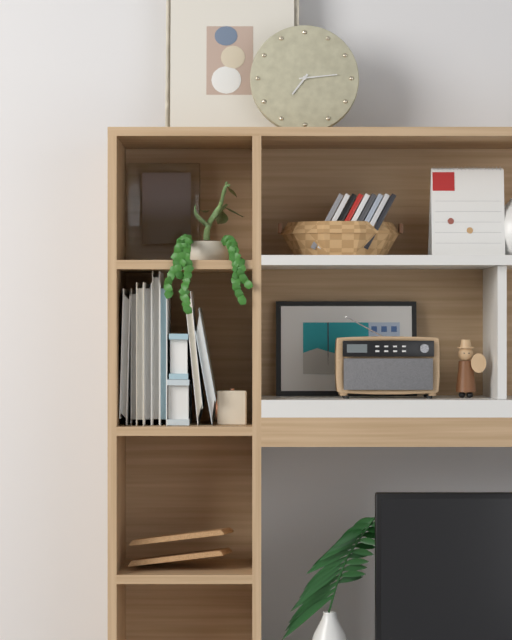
7:14
